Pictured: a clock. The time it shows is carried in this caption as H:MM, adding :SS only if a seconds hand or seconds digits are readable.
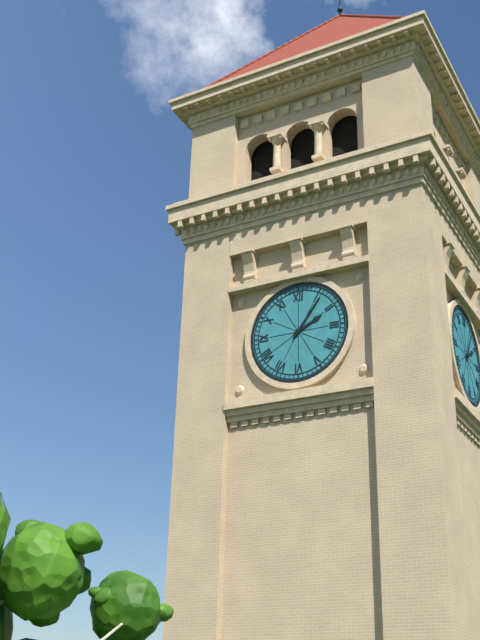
2:06
